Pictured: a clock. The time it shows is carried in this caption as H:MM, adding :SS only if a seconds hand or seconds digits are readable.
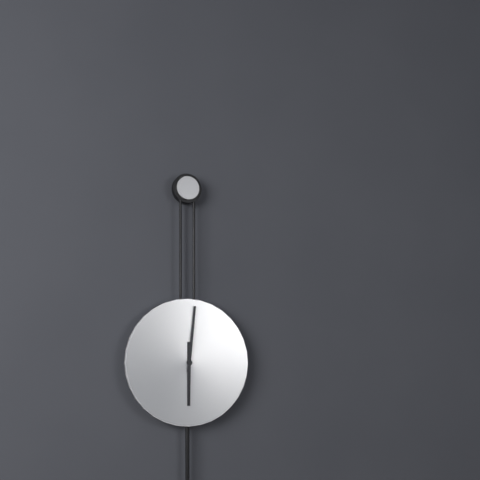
6:01
